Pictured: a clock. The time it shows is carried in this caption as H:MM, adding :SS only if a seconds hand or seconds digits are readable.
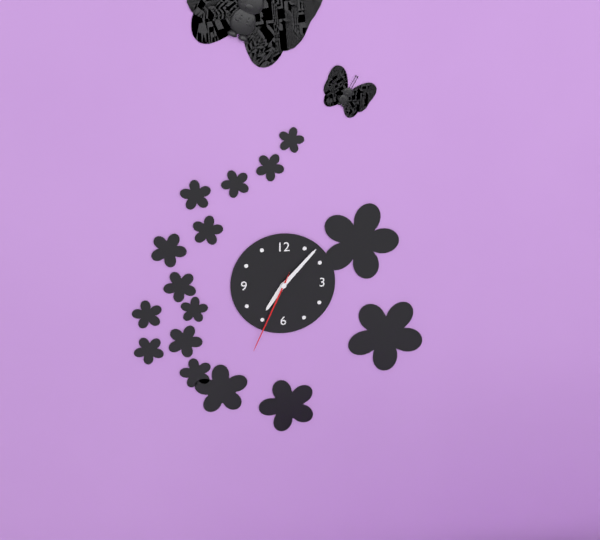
7:07:34
